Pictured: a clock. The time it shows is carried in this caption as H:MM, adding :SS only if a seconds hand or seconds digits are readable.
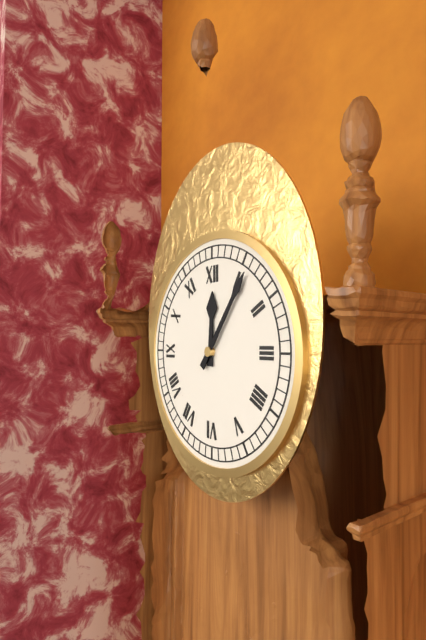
12:06
